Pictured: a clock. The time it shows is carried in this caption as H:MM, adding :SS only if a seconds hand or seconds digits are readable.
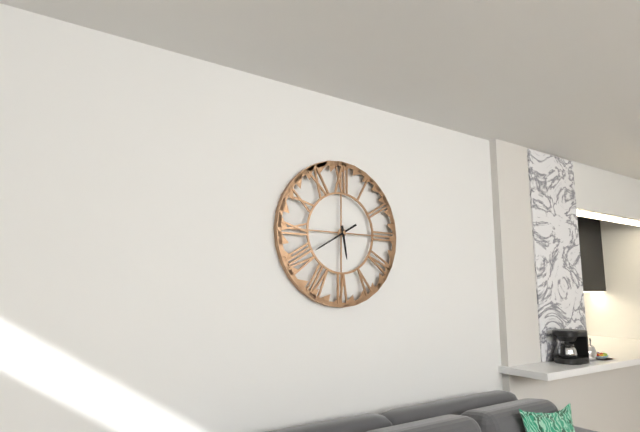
5:40
